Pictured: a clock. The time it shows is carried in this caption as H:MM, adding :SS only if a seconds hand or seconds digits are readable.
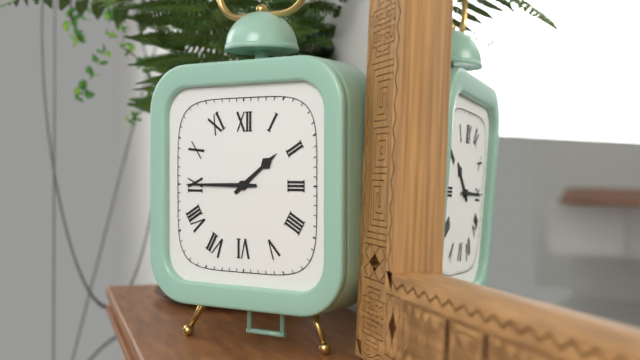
1:45
